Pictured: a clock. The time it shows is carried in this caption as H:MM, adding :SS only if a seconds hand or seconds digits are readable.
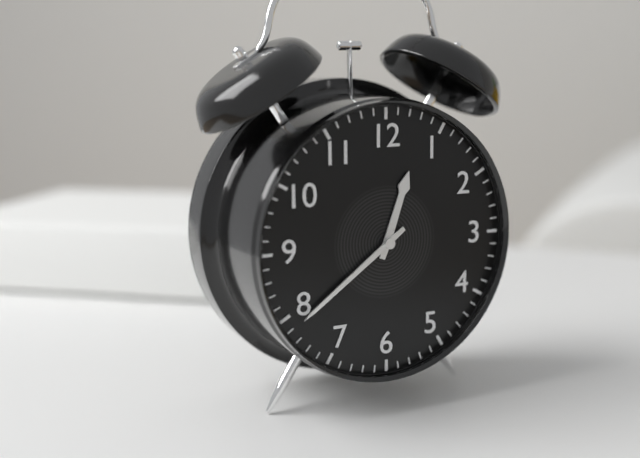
12:39
